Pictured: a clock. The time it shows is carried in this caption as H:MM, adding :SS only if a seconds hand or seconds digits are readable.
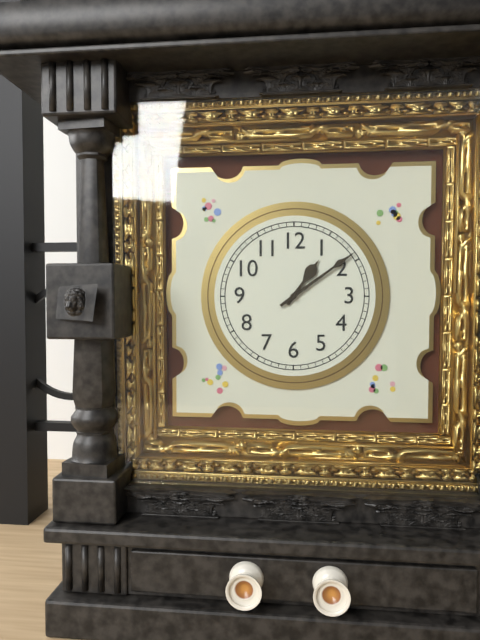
1:09
